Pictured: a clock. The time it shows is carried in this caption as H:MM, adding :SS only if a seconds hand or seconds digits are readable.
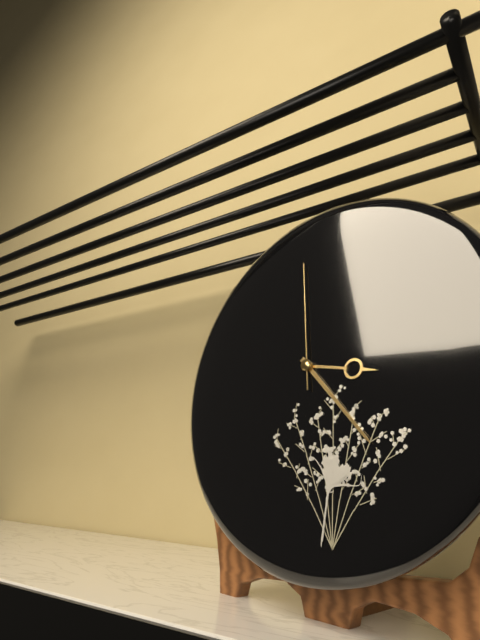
3:23:59
